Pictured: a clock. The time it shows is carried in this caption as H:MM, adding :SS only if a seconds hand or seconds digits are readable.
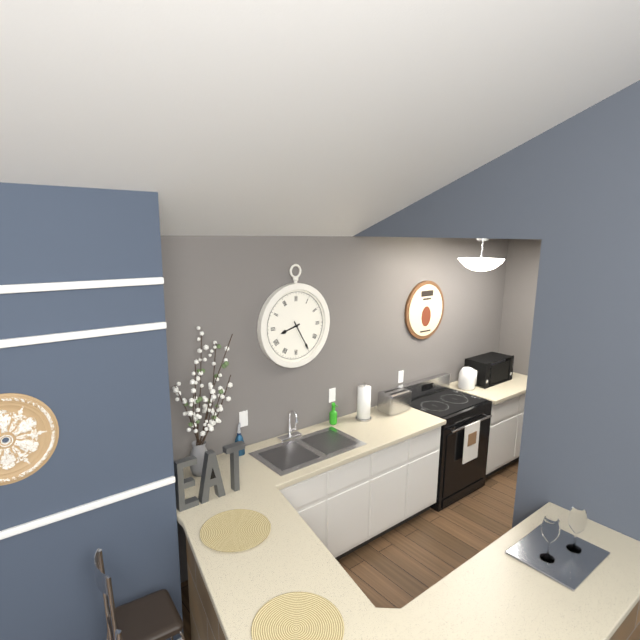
8:25
